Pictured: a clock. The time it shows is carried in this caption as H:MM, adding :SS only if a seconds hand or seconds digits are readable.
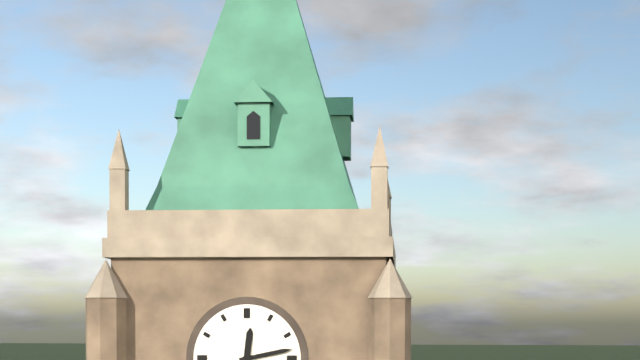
12:13
